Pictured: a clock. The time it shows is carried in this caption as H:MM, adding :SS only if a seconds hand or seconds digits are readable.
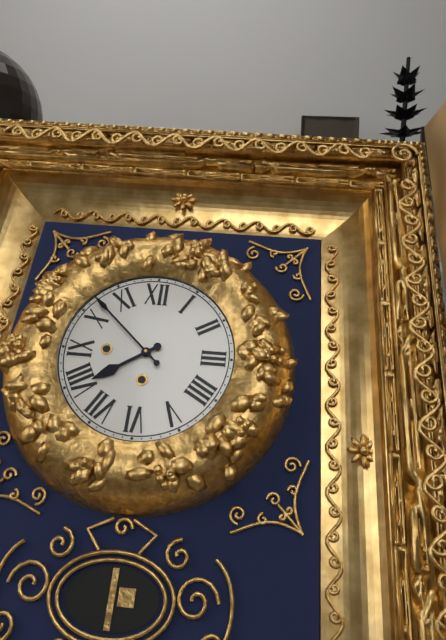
7:52
